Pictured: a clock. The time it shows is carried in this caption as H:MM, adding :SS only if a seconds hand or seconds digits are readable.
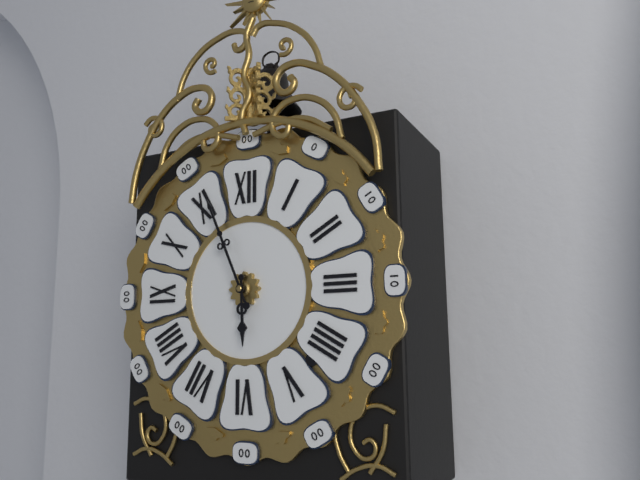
5:56
